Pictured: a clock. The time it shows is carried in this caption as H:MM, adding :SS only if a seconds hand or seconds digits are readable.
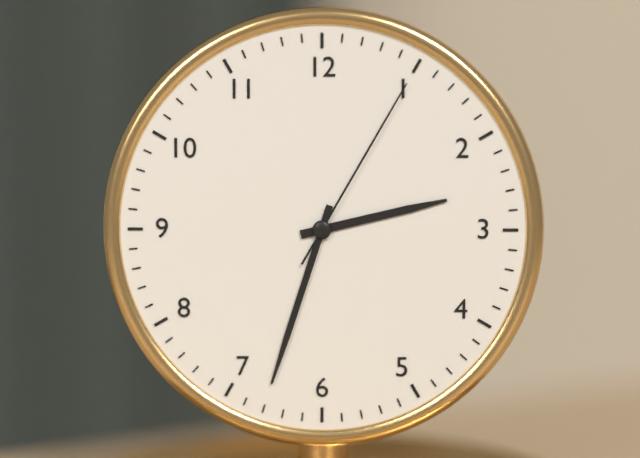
2:33:05
